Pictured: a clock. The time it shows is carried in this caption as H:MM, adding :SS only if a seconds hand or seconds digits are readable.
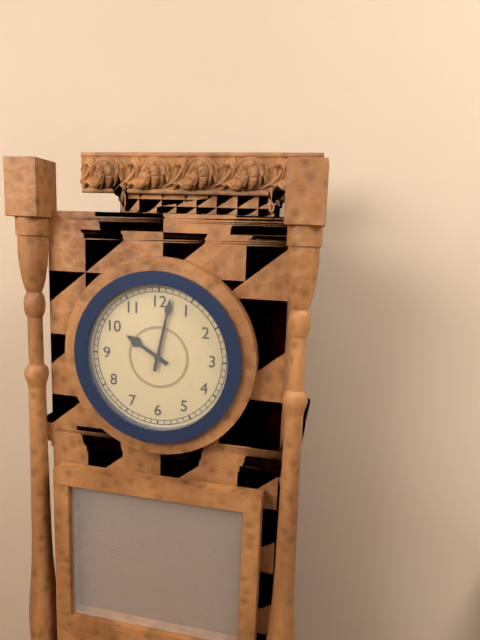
10:02
